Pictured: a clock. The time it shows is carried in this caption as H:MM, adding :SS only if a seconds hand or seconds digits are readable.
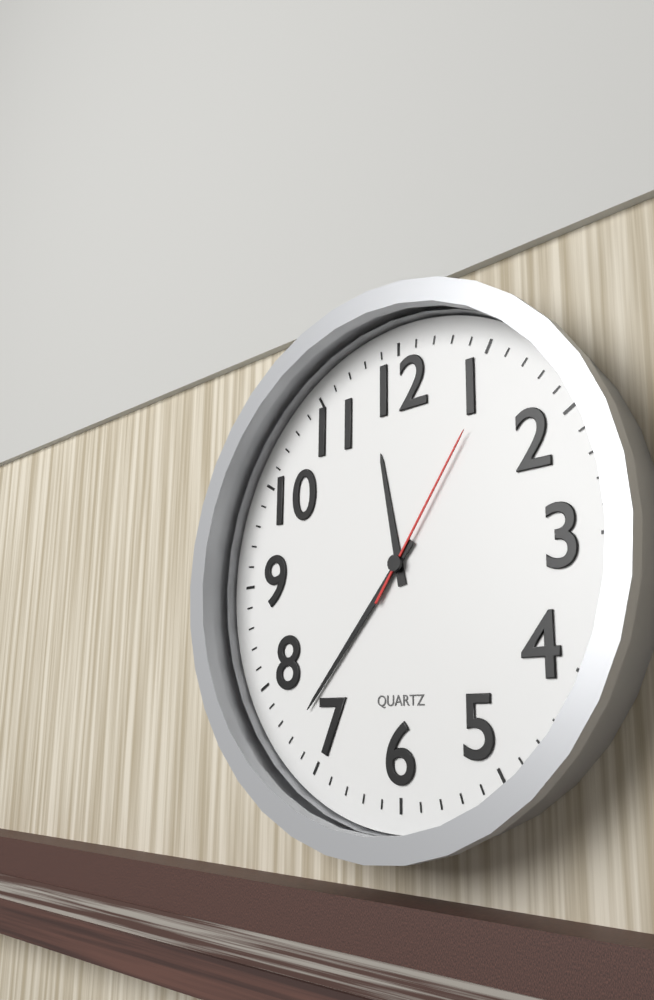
11:37:06
